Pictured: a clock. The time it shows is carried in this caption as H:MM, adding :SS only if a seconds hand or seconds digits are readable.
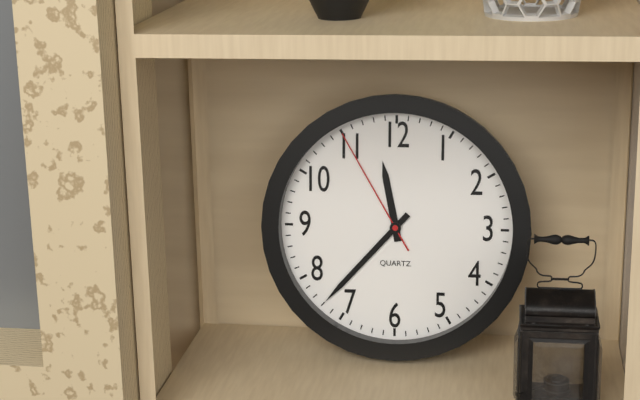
11:37:55
